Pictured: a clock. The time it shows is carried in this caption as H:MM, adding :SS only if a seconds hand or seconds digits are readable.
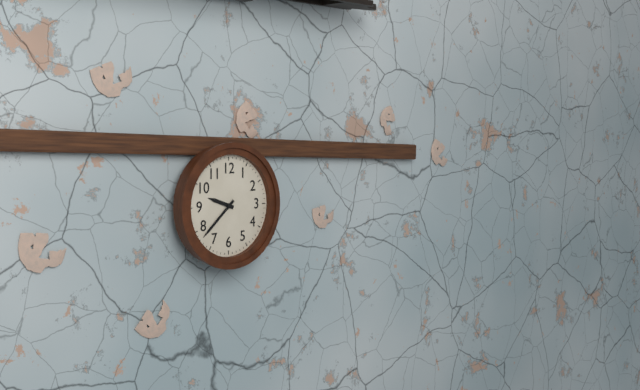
9:38
